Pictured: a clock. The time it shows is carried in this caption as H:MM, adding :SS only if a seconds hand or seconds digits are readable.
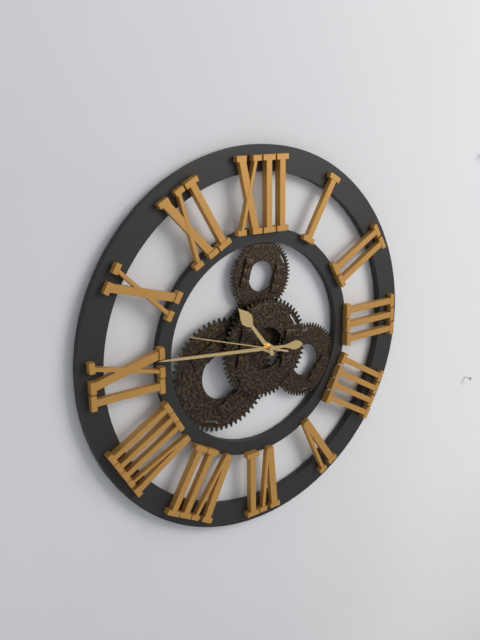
10:46:48
